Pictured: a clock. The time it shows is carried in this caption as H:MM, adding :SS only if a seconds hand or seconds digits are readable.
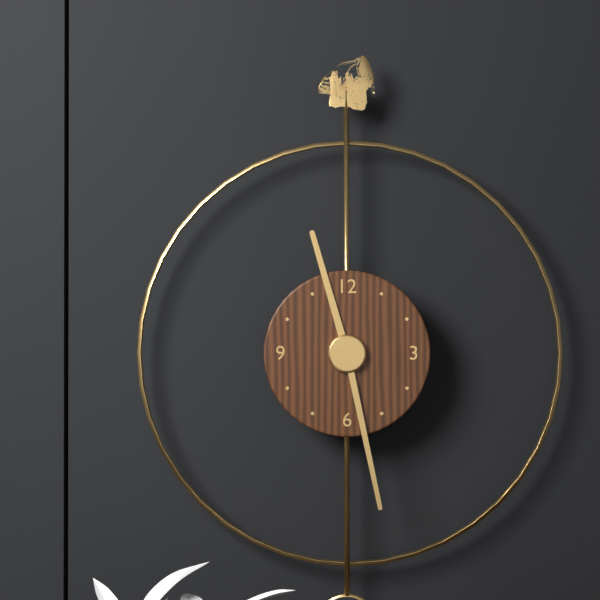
11:28
